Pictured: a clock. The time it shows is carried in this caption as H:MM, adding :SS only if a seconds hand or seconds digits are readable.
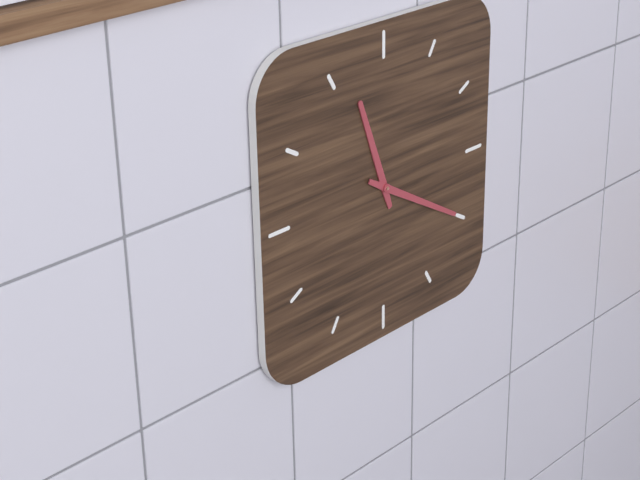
11:20
